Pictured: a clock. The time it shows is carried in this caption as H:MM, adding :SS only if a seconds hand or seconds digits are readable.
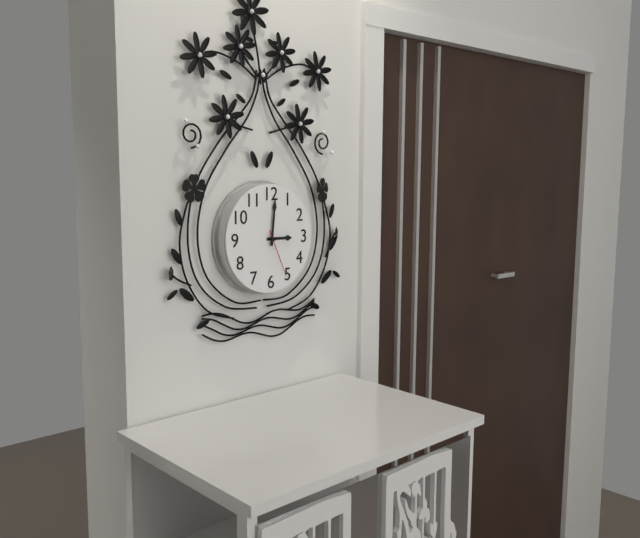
3:01
